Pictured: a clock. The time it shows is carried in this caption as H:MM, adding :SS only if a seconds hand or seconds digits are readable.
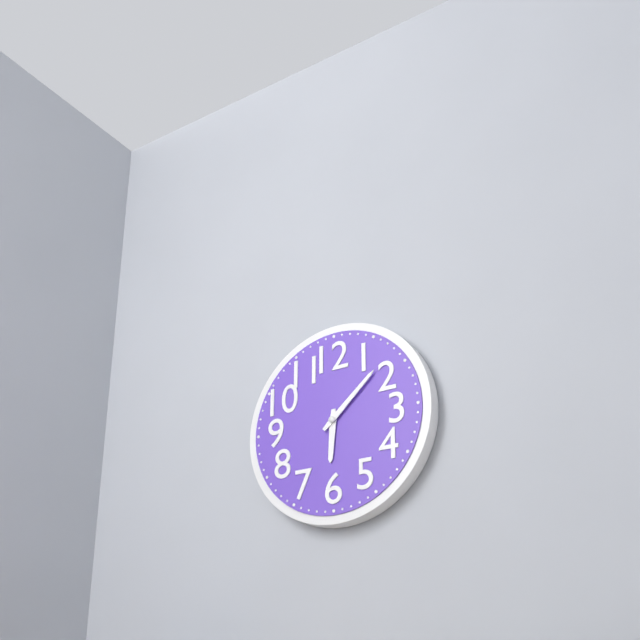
6:08
